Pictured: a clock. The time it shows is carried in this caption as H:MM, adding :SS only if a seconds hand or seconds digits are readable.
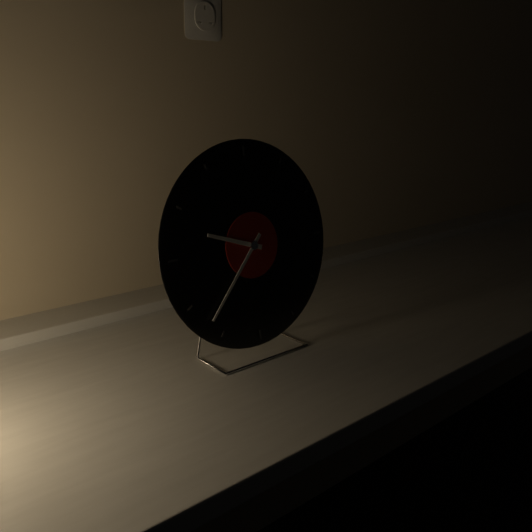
9:37
